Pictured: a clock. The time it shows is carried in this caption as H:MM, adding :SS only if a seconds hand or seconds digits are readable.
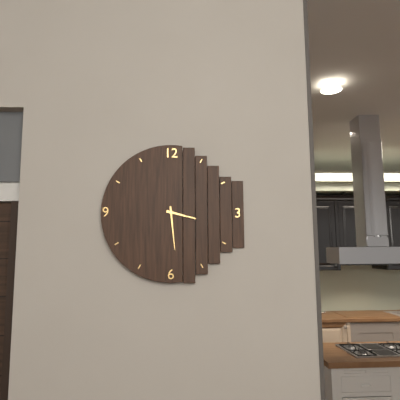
3:29
